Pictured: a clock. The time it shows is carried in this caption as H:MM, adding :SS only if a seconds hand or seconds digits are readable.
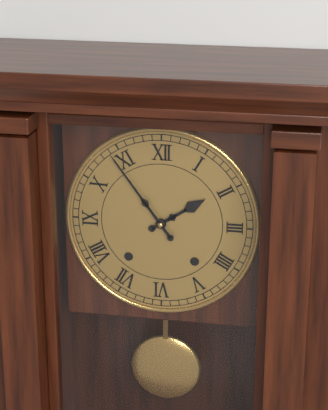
1:54
